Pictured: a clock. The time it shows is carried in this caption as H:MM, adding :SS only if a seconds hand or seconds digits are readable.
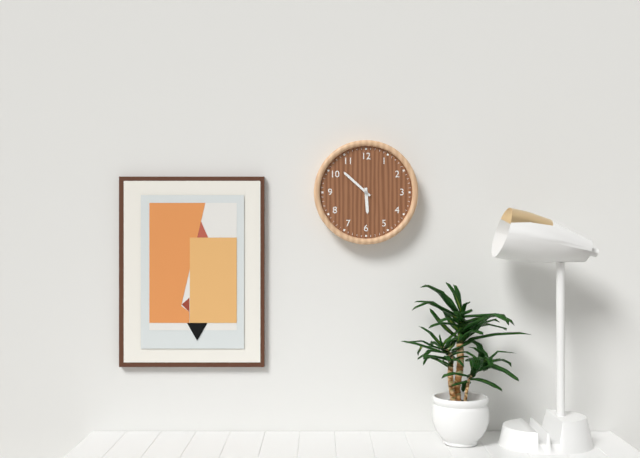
5:52
